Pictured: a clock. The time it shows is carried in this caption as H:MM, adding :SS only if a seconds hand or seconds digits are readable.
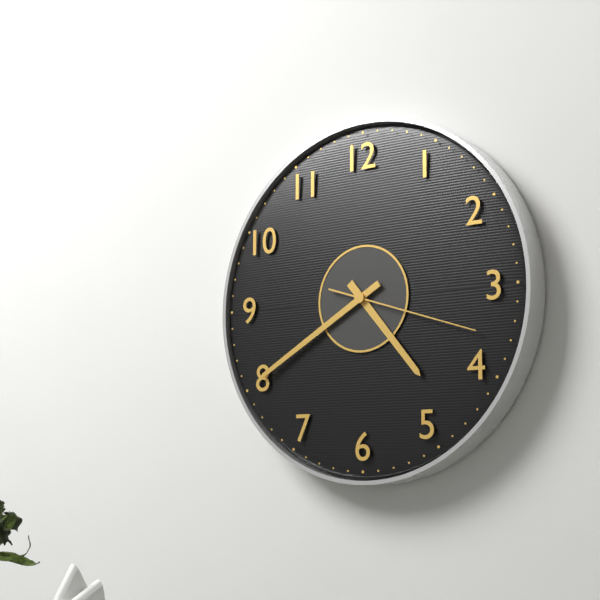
4:40:18
